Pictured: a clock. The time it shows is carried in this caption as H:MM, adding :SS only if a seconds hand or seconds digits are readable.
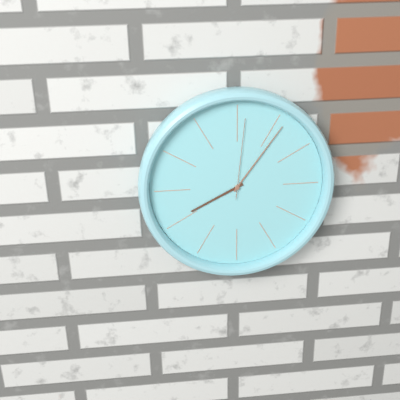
8:06:01
